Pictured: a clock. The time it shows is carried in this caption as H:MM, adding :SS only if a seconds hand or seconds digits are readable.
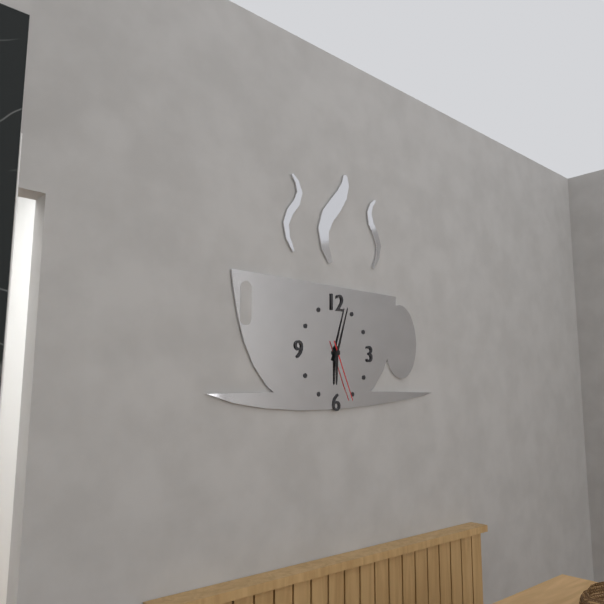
6:03:26
